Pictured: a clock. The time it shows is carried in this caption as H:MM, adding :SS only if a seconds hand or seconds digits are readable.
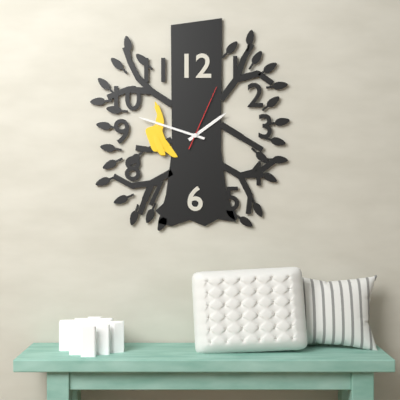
1:48:04
